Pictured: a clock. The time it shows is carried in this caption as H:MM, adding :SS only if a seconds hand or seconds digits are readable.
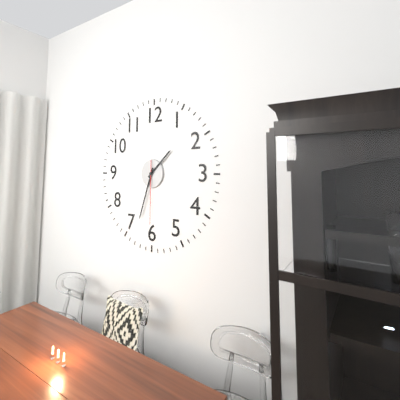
1:33:30
